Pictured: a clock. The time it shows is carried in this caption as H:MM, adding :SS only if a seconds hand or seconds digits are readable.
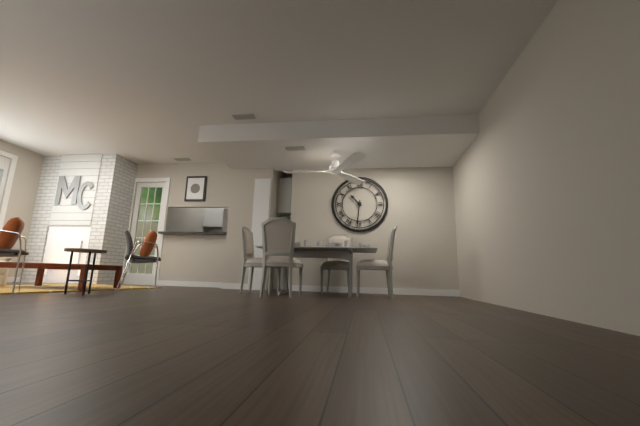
10:31
